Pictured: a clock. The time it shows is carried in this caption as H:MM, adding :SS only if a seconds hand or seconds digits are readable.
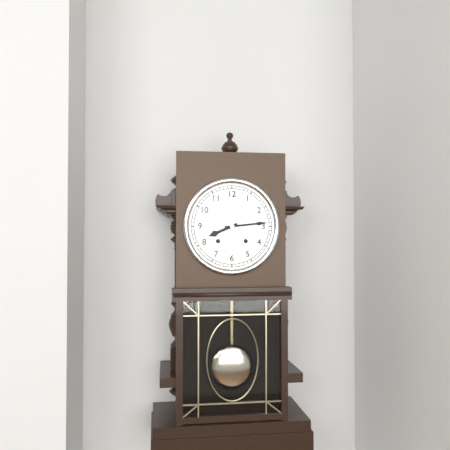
8:14
